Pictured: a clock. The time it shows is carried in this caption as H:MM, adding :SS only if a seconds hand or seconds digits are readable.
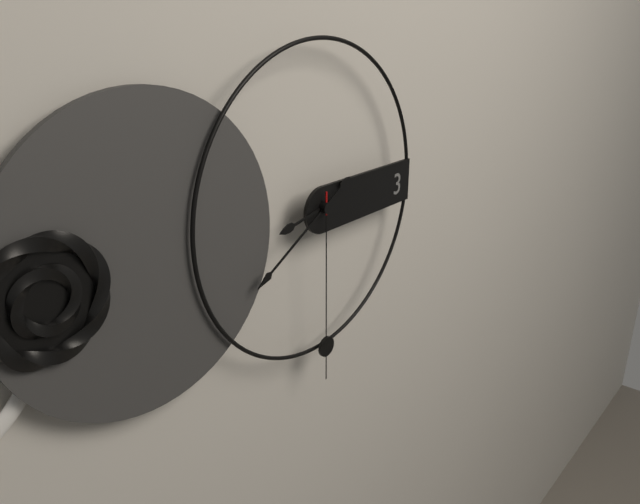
8:40:30
